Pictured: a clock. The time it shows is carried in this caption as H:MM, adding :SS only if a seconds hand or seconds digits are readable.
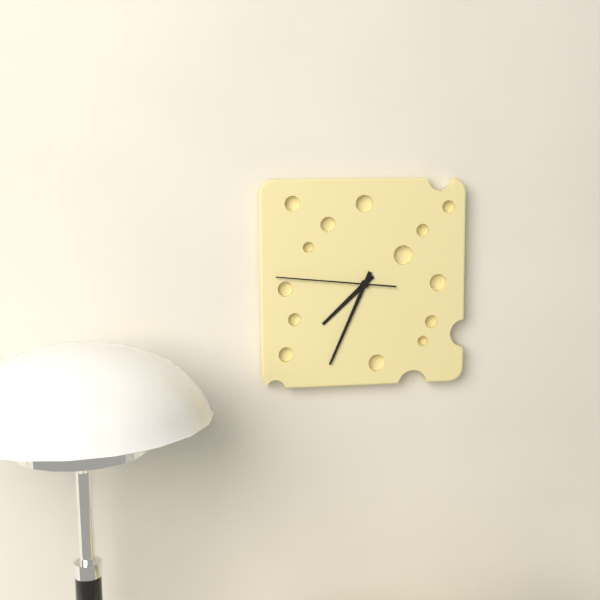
7:34:46
